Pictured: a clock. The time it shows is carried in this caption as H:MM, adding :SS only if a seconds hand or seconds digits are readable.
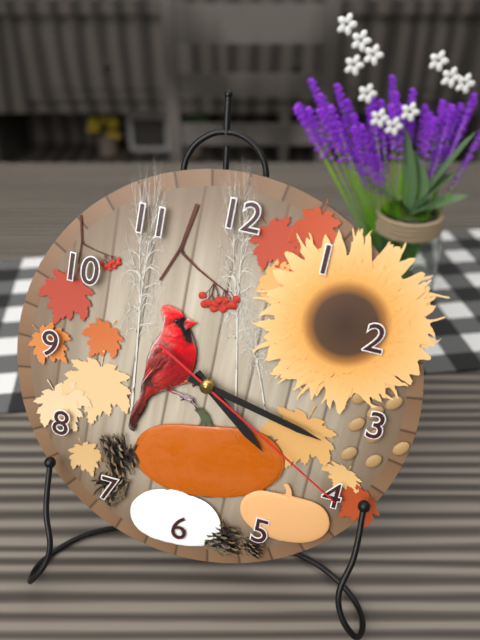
4:17:20
